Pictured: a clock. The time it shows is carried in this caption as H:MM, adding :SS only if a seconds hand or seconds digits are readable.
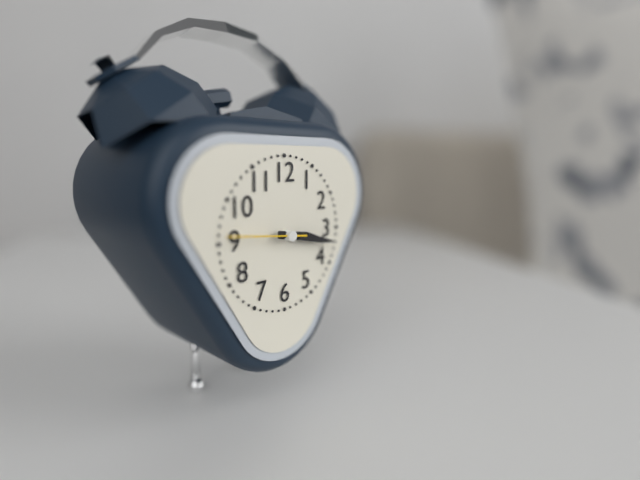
3:17:46
